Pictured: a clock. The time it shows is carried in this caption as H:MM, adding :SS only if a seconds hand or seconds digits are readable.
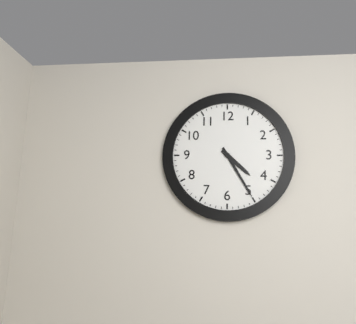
4:25
